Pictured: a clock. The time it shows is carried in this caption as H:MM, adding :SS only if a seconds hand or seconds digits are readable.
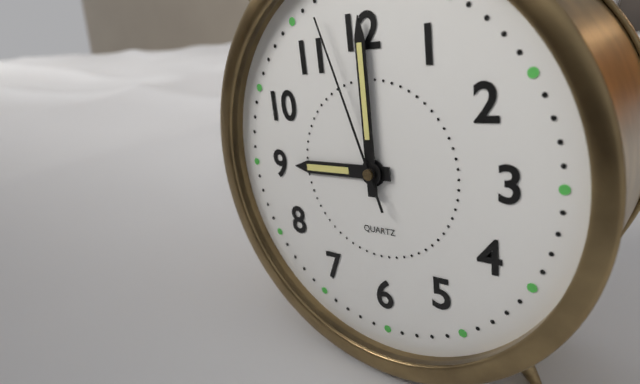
9:00:57
